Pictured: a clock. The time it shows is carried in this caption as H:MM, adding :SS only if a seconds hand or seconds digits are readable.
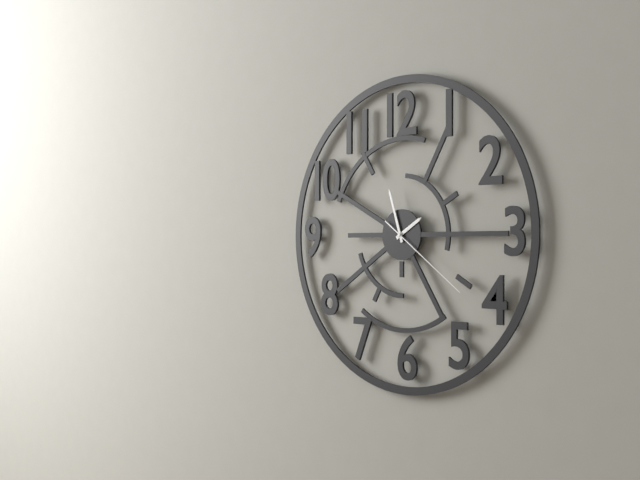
1:57:21
